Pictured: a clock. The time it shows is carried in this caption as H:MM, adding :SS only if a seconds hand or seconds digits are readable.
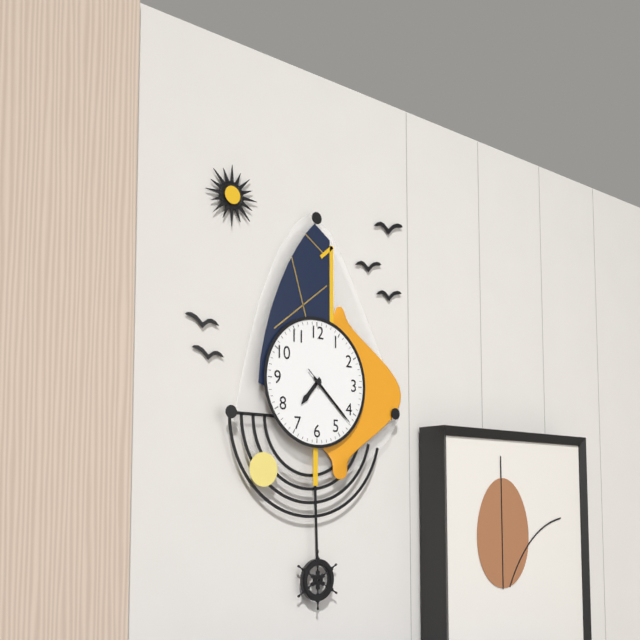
7:22:22
